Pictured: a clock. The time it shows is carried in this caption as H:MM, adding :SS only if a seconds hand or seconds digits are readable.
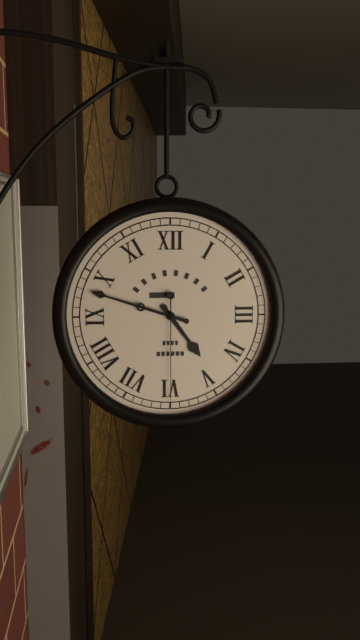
4:48:30
